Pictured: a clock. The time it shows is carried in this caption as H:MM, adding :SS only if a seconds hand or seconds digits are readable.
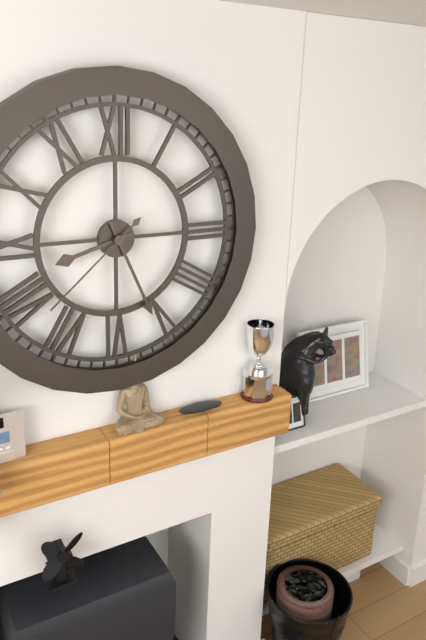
8:26:38
